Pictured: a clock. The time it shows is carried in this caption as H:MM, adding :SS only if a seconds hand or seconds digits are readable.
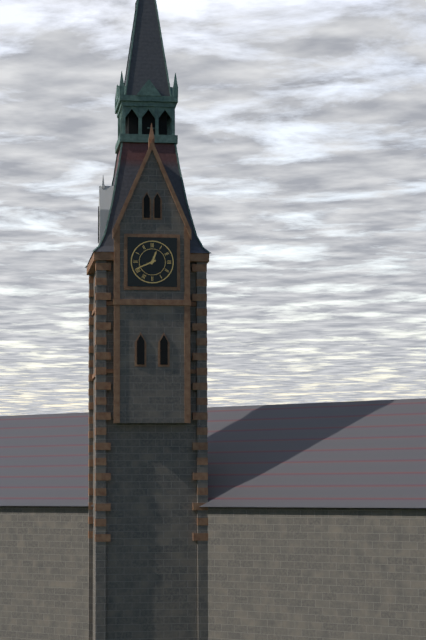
12:41
